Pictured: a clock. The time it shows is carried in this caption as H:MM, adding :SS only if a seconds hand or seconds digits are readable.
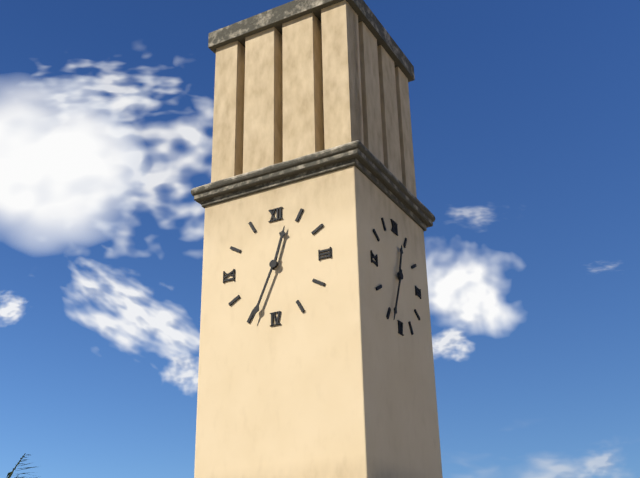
12:34
